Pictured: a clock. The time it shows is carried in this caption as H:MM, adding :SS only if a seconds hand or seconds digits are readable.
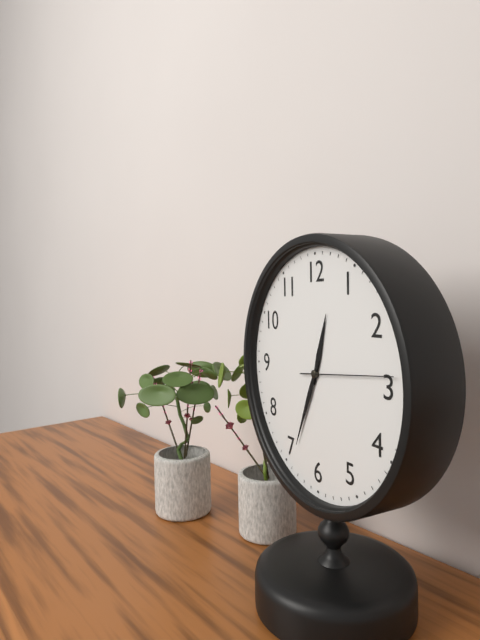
12:34:14
